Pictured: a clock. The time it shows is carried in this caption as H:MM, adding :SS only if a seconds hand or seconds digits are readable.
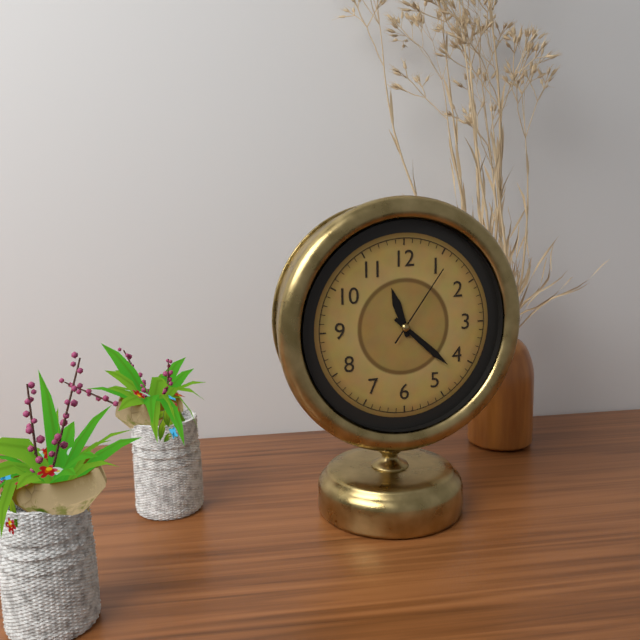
11:22:06
